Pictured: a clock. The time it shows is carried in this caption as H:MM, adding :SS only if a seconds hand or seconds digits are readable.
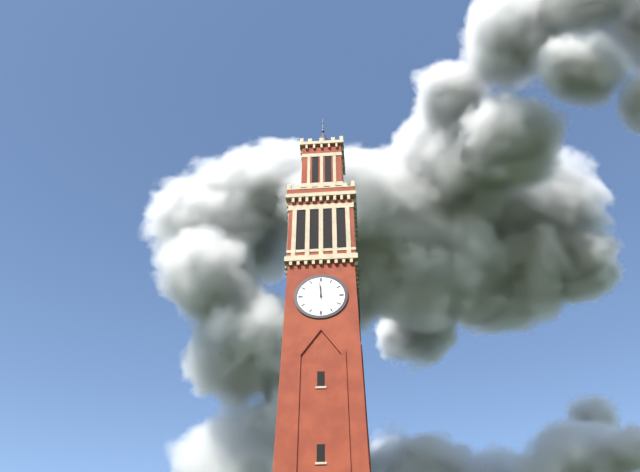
11:59
